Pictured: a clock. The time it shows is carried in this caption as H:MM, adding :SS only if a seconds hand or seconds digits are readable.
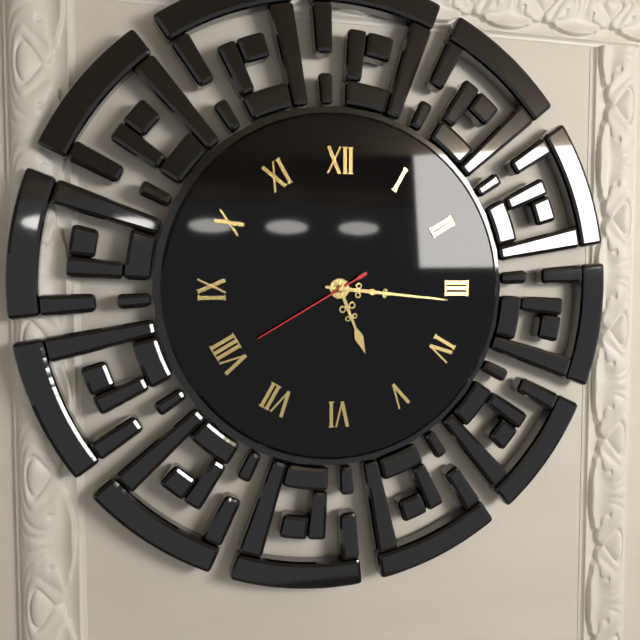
5:16:40
